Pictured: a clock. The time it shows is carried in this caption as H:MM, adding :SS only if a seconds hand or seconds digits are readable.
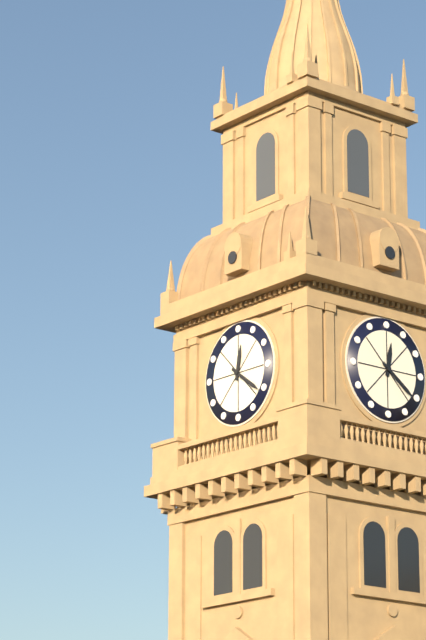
12:21
